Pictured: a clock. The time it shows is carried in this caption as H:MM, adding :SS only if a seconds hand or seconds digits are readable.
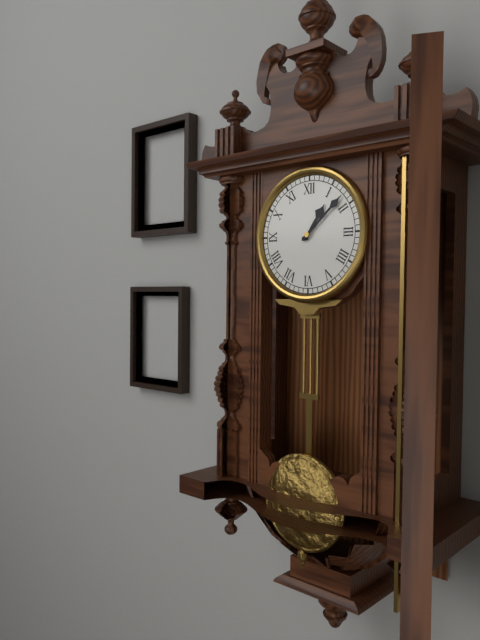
1:08
